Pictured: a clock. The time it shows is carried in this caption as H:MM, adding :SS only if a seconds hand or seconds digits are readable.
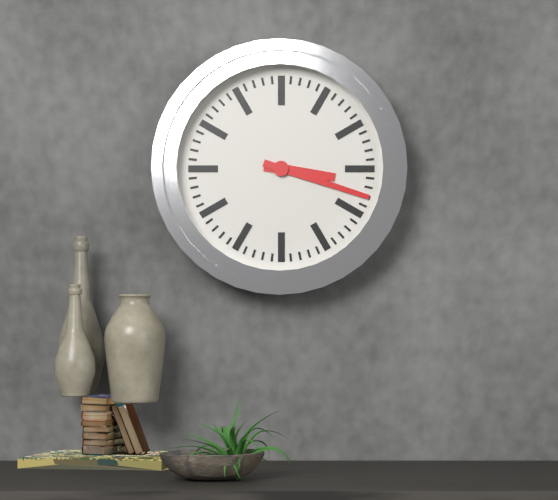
3:18
